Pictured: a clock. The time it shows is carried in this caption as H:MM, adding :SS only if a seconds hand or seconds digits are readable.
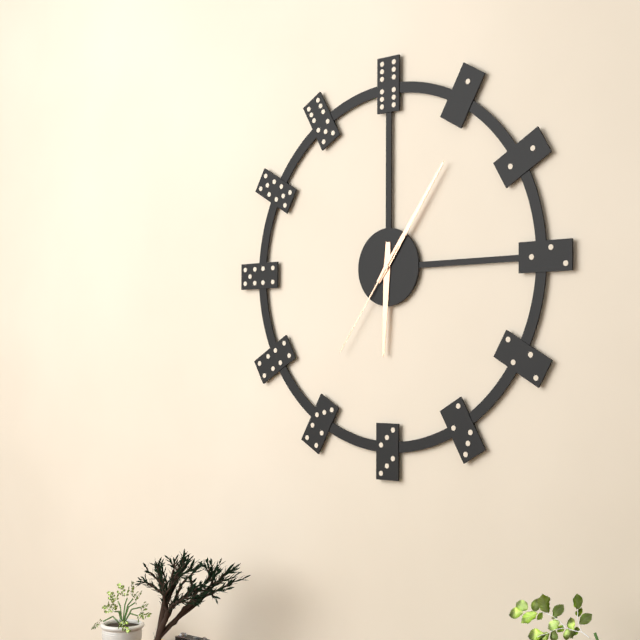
6:06:36
